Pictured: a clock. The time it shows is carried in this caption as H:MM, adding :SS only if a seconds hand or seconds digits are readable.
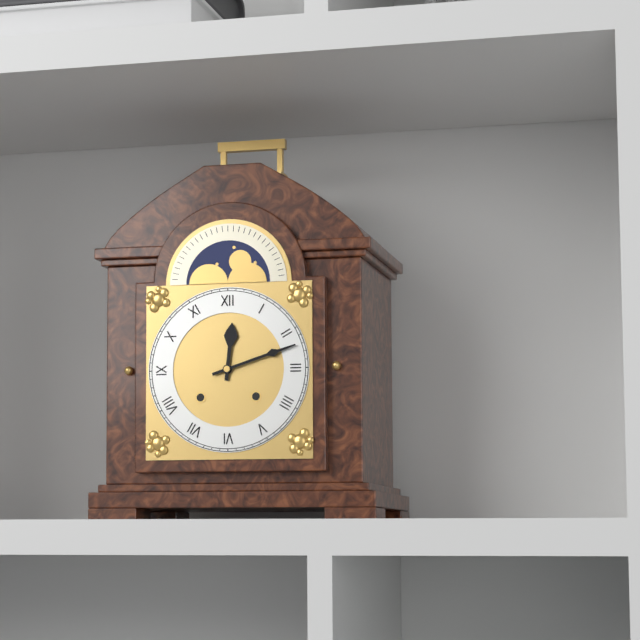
12:12
